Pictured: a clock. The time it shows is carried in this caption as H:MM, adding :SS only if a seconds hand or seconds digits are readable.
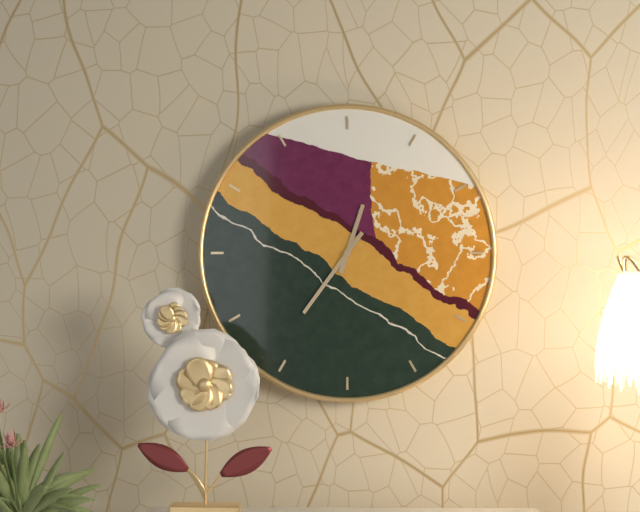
12:36
